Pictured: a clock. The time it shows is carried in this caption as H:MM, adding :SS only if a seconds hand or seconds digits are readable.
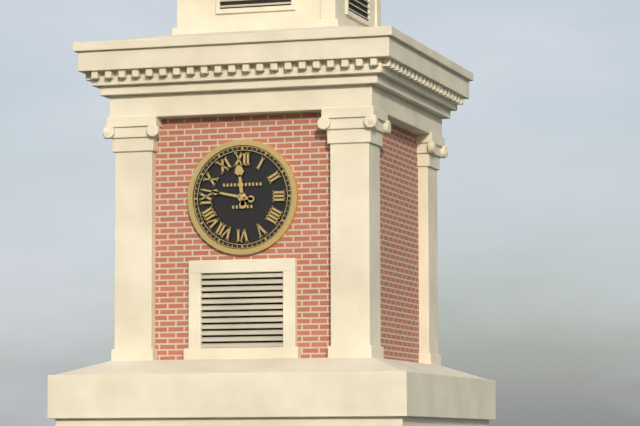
11:47
